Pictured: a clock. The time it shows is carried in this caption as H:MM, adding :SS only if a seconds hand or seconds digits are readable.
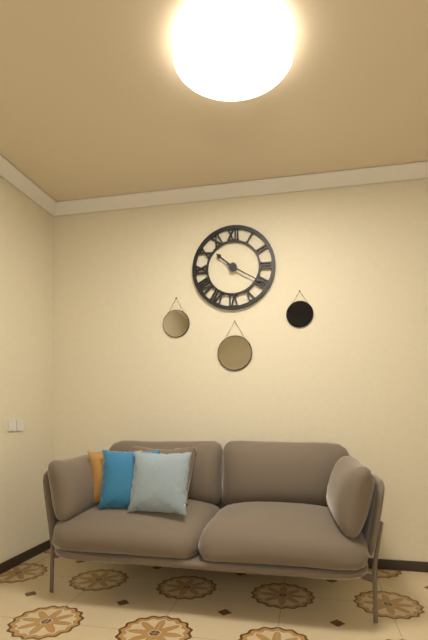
10:20
